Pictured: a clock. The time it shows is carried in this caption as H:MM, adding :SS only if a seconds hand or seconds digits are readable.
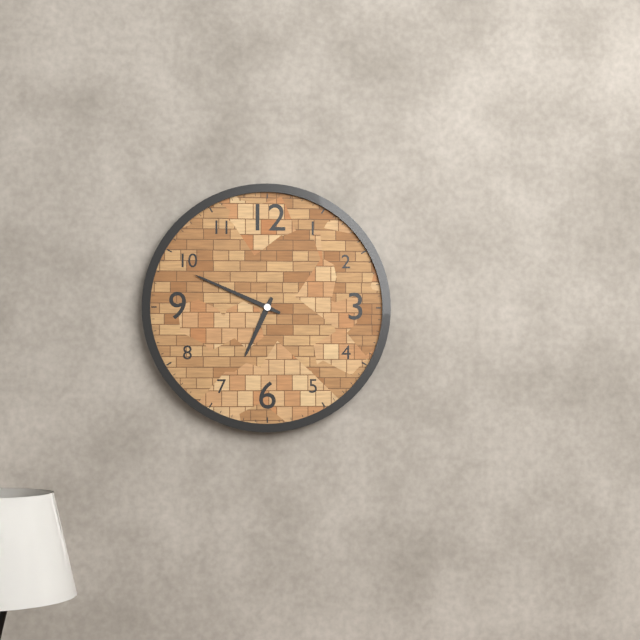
6:49
